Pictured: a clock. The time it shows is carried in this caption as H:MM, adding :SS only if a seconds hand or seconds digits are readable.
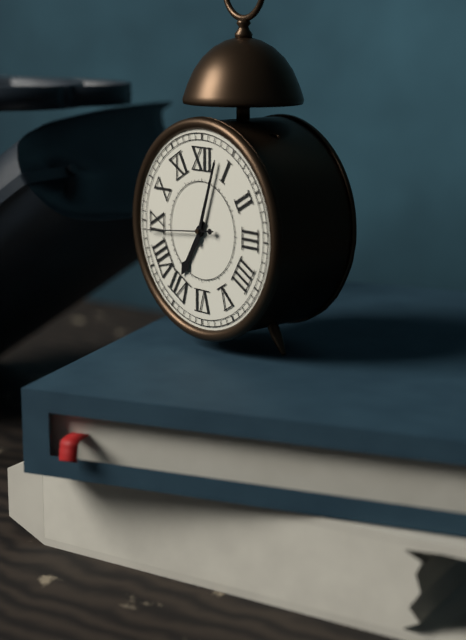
7:03:44
